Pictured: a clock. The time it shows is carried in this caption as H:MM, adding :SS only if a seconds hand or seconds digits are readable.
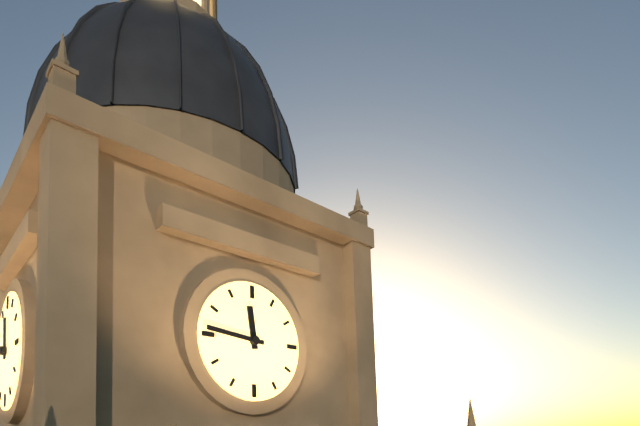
11:46
